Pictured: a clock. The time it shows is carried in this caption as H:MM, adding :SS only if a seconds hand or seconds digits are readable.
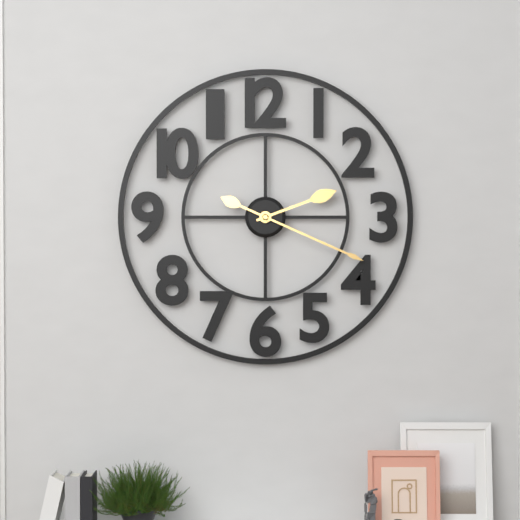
2:19
